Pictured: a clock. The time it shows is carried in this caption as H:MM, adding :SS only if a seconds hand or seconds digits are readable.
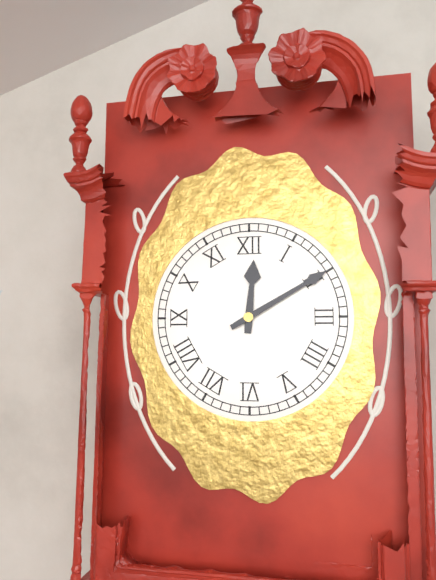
12:10
